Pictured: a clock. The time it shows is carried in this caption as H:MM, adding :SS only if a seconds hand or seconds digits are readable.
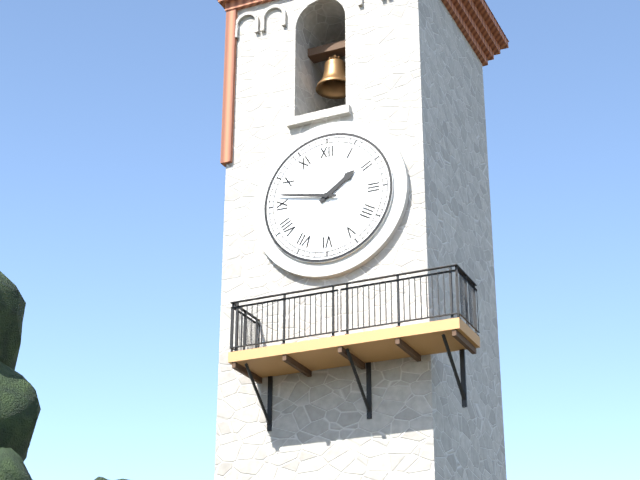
1:47
